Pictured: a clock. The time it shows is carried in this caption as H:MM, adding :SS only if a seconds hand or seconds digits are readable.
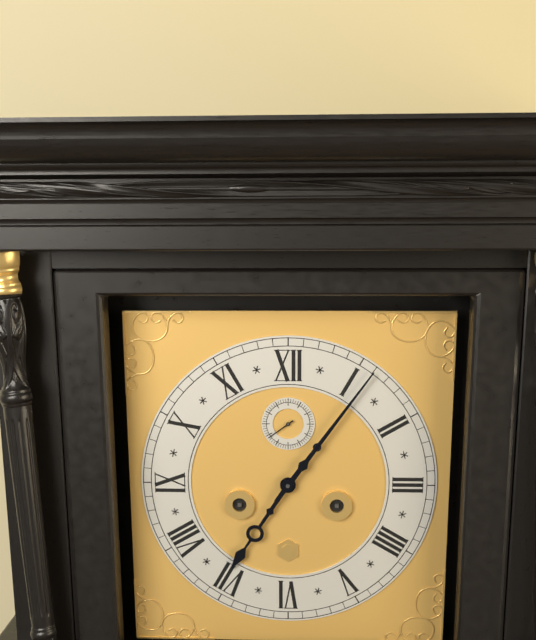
7:06
